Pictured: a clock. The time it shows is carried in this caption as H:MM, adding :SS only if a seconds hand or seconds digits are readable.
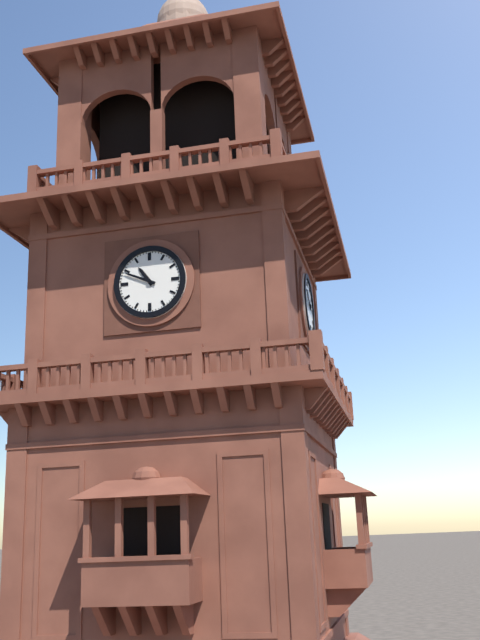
10:49
